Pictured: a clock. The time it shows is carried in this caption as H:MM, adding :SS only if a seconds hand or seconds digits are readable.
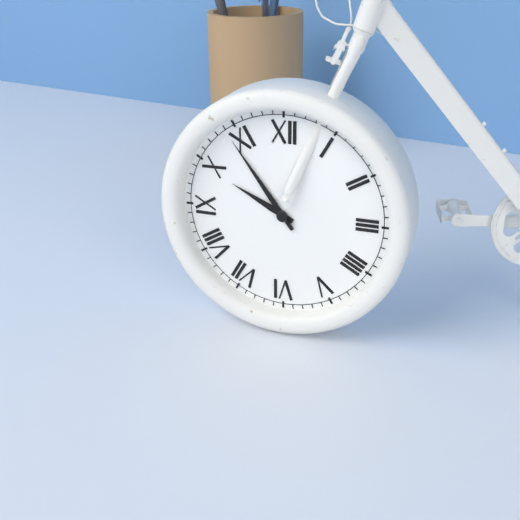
9:54
